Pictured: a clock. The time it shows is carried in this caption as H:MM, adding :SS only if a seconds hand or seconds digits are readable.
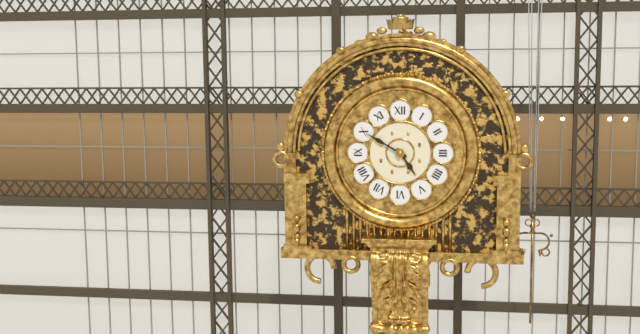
4:50
